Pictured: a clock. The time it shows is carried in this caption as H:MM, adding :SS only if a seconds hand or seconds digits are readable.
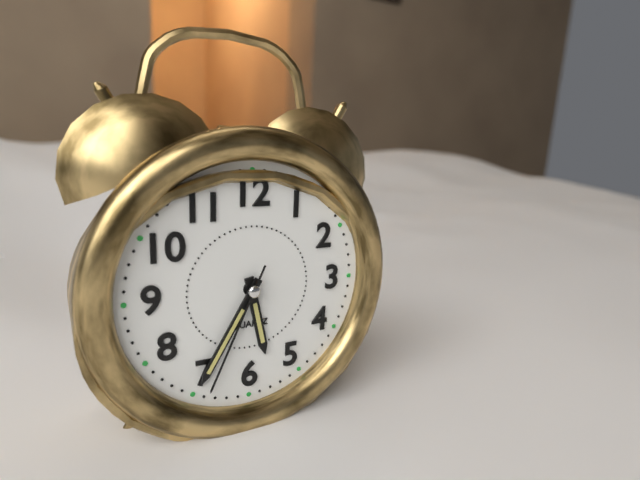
5:35:34
